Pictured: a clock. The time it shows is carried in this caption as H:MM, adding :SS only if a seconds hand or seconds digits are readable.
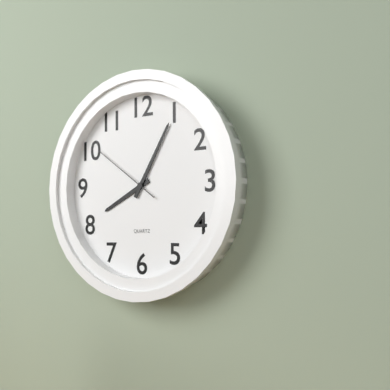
8:05:51
